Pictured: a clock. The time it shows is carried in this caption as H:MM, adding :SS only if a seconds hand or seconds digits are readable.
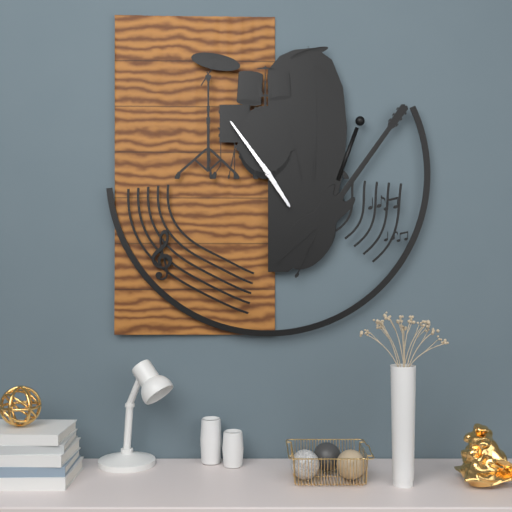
4:54
